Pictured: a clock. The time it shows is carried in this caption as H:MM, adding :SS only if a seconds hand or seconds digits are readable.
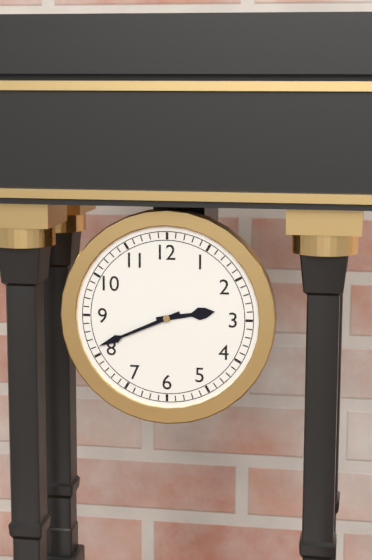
2:41
